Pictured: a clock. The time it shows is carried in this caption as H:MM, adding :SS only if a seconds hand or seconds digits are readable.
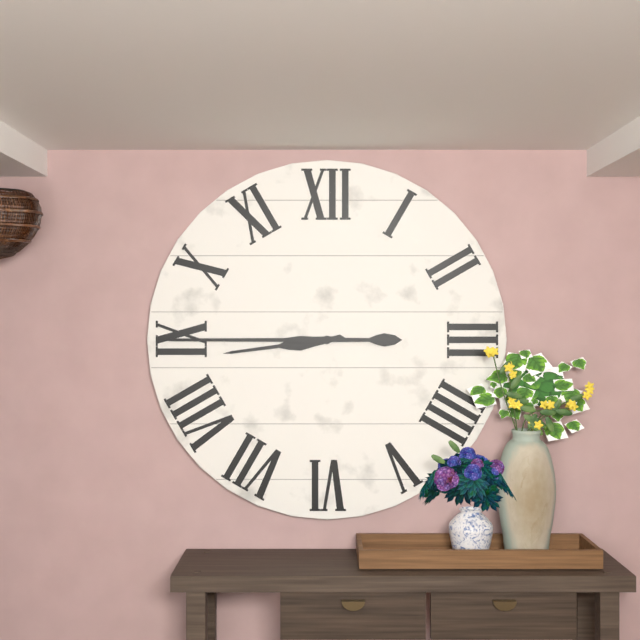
8:45
